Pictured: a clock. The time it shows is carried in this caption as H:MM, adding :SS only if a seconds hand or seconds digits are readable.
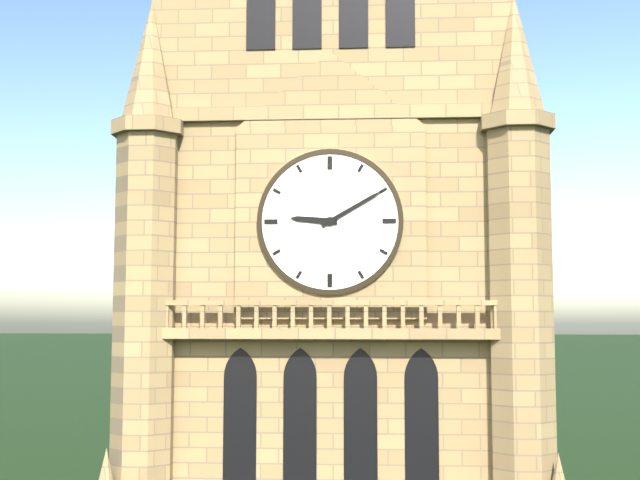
9:10
